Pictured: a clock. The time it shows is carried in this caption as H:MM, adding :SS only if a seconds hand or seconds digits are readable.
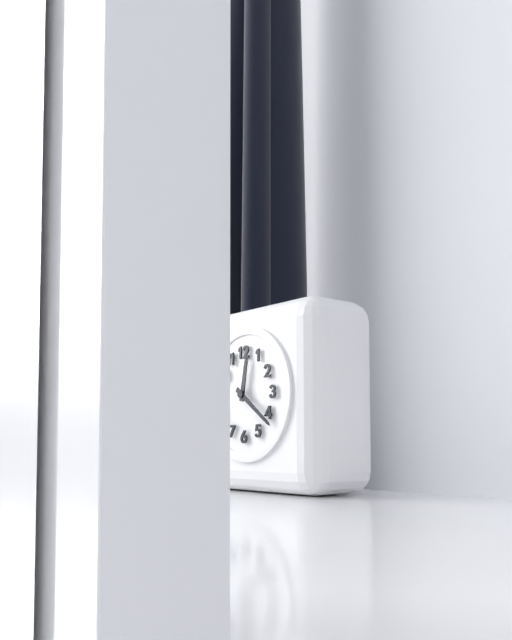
12:21
